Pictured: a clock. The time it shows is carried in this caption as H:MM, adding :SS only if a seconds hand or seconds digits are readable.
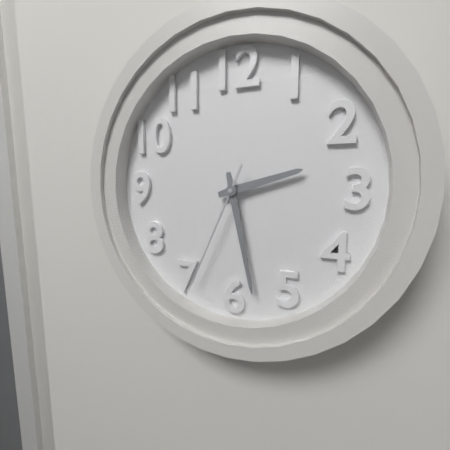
2:28:34
